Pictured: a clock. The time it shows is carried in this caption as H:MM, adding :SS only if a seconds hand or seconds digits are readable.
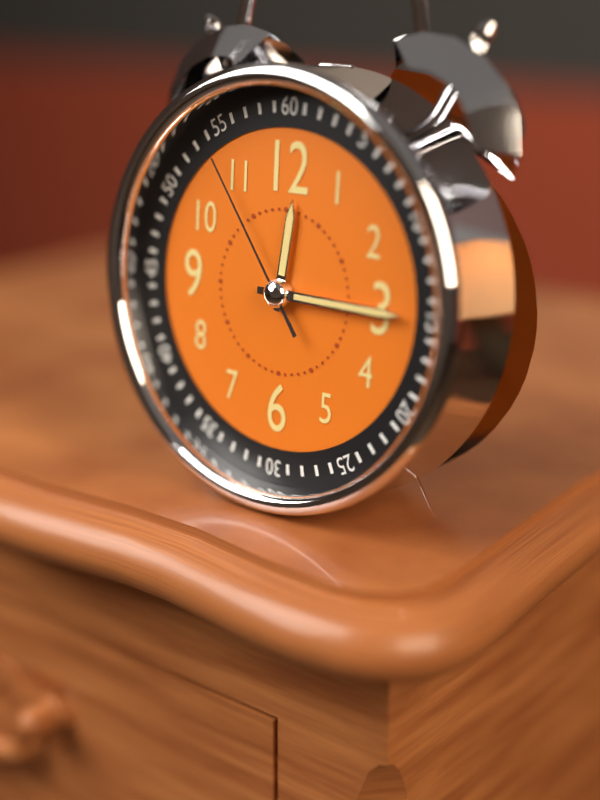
12:15:54
